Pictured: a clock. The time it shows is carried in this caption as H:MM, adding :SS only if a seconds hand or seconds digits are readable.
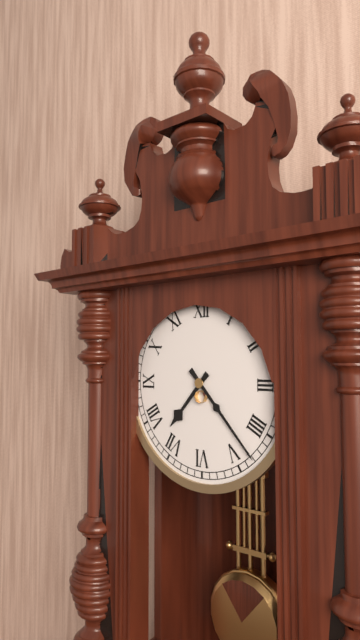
7:23
